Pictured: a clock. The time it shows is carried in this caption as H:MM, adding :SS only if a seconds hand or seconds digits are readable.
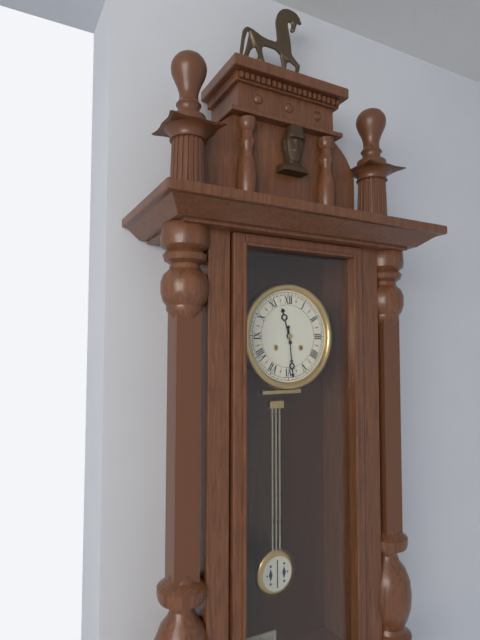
11:29
